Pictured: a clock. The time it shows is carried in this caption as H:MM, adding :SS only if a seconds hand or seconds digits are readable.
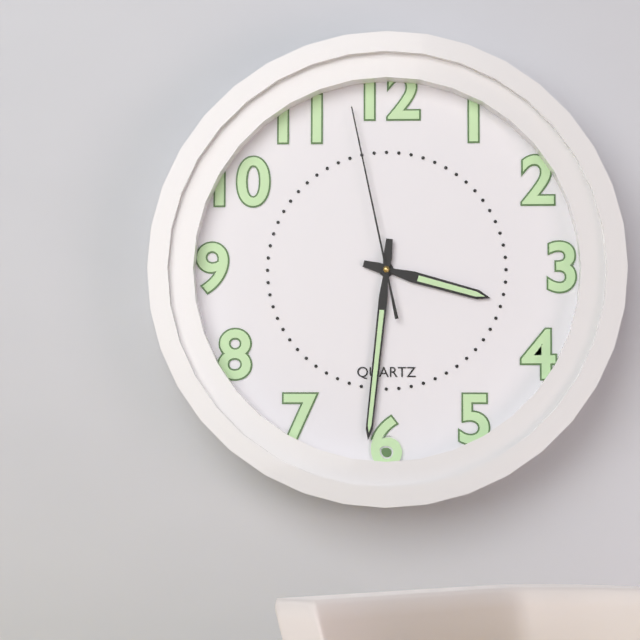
3:31:58
